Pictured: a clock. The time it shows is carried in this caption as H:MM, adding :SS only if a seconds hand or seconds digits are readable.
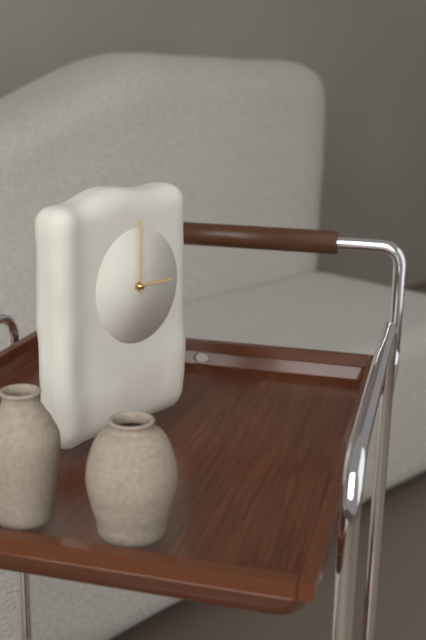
3:00
